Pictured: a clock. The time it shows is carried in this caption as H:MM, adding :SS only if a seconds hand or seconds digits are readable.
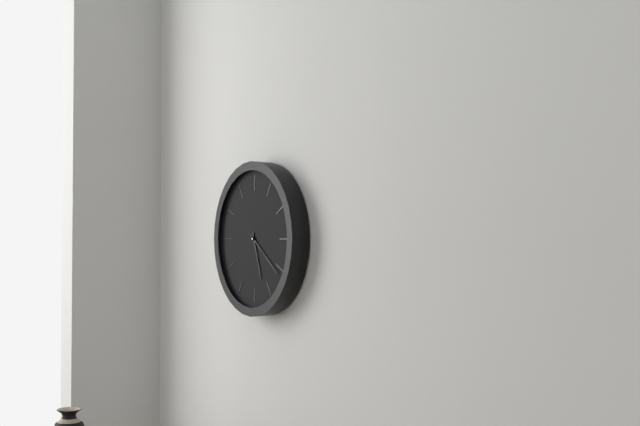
5:21
